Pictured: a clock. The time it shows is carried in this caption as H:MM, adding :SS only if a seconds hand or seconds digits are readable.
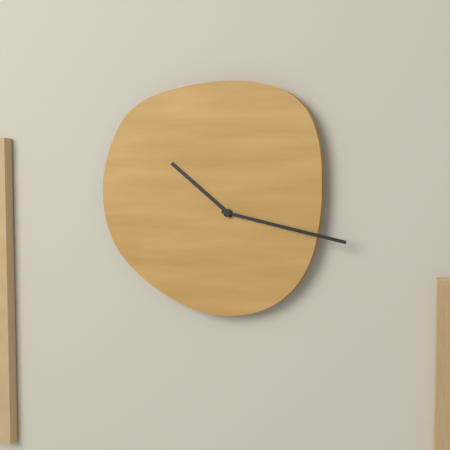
10:17
